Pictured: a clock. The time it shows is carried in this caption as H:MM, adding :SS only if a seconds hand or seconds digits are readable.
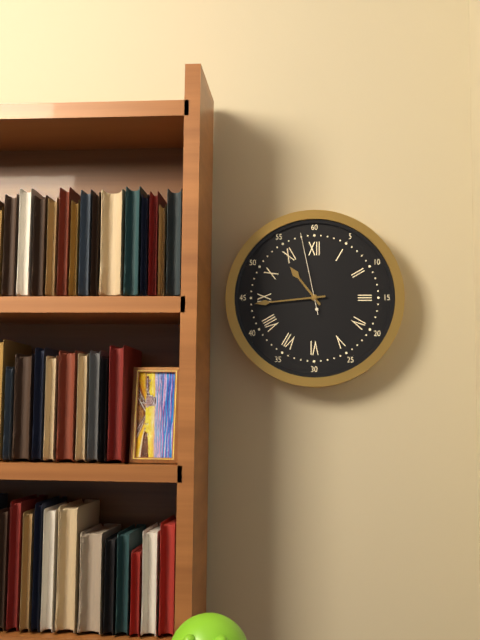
10:44:58
